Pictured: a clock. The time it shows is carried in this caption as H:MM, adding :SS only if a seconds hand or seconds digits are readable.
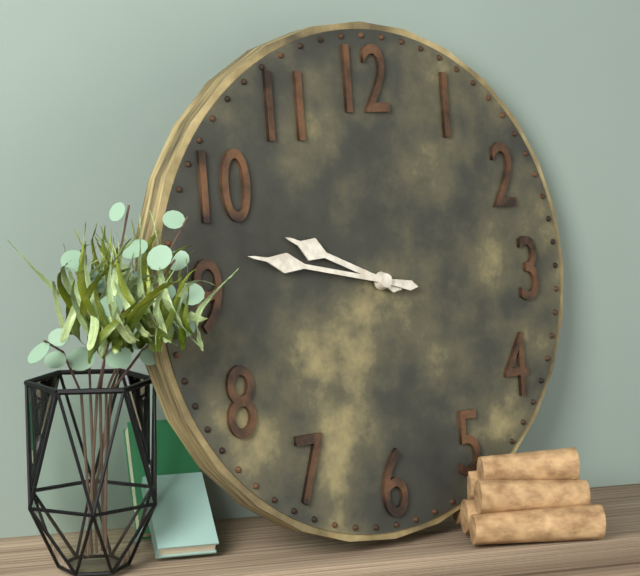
9:47
